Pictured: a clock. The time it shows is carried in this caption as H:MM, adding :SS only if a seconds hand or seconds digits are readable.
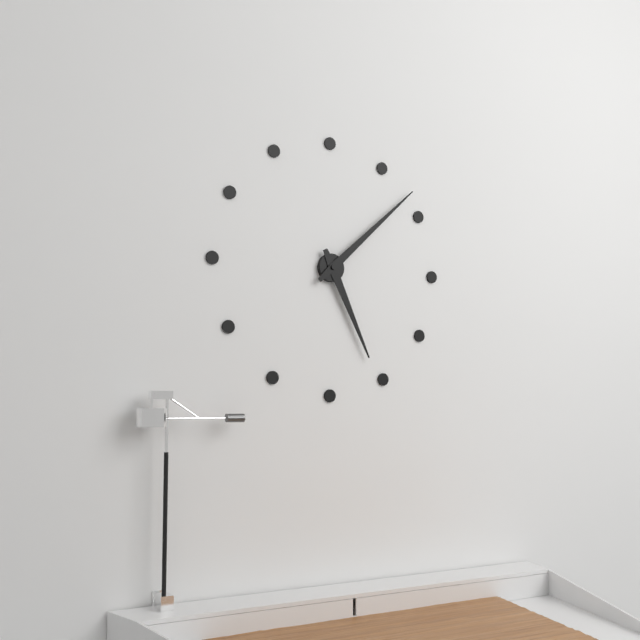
5:08
